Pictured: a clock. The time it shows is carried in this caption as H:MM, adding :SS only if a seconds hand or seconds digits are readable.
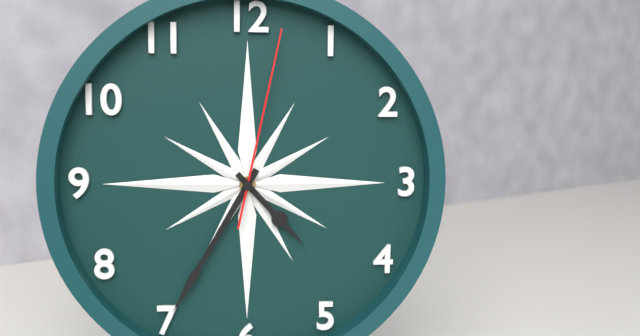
4:35:02
